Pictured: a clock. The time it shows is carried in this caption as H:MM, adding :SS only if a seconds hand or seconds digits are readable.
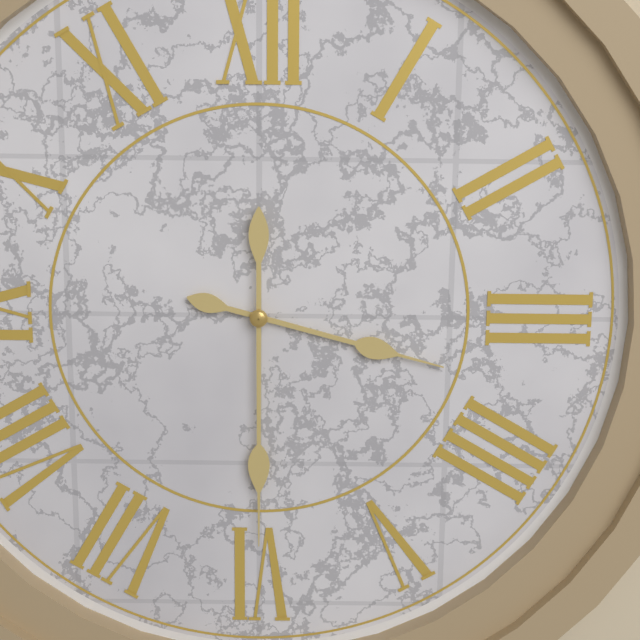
3:30
